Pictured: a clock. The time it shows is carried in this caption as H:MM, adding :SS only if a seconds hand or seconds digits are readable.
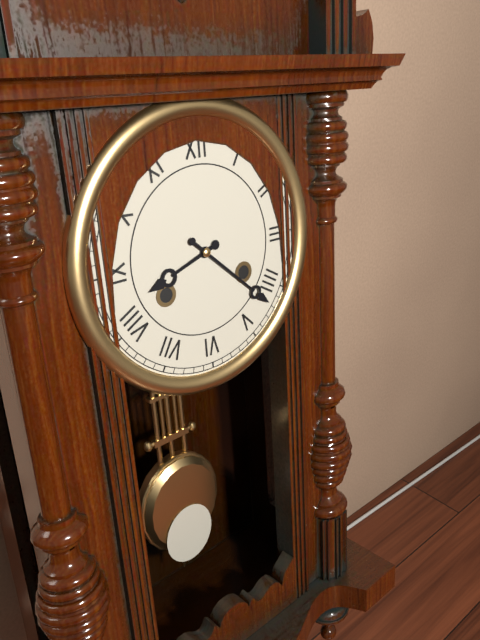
8:22
